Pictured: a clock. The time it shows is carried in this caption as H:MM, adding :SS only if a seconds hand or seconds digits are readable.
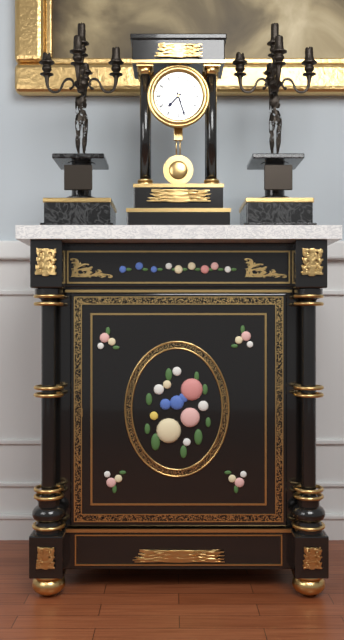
7:27
